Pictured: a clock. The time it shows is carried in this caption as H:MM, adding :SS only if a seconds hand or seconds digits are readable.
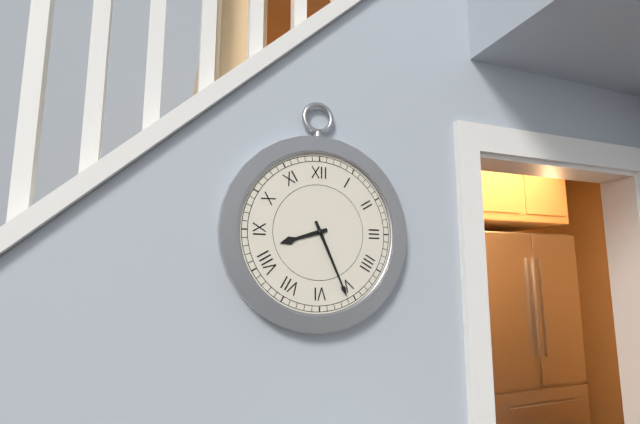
8:26
